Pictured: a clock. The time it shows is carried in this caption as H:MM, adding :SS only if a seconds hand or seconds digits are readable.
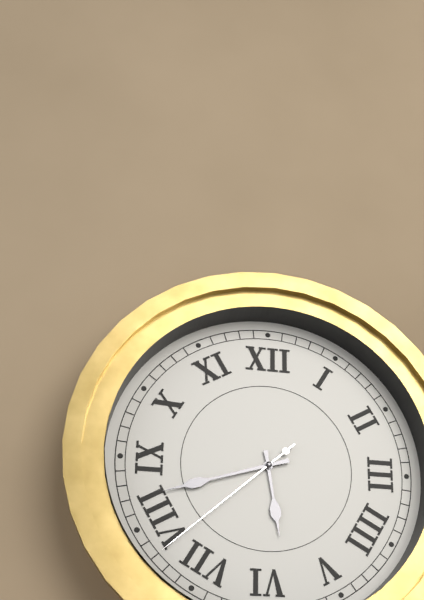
5:42:38
